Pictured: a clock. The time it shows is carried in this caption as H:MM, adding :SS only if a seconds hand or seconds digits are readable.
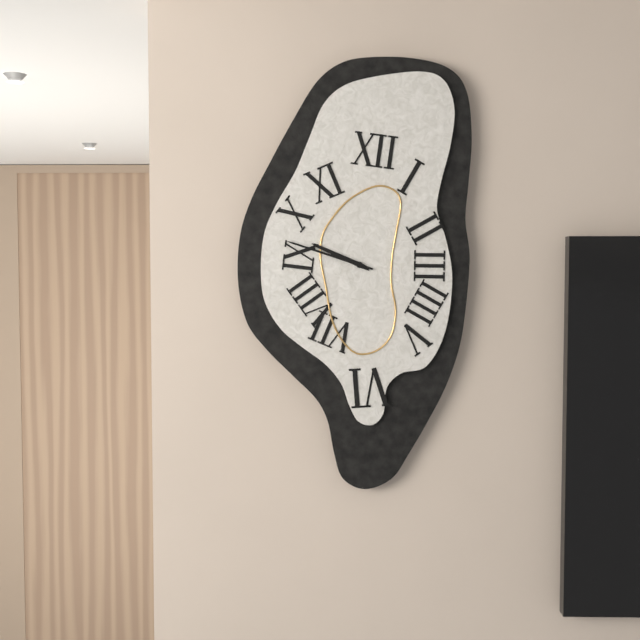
9:48
